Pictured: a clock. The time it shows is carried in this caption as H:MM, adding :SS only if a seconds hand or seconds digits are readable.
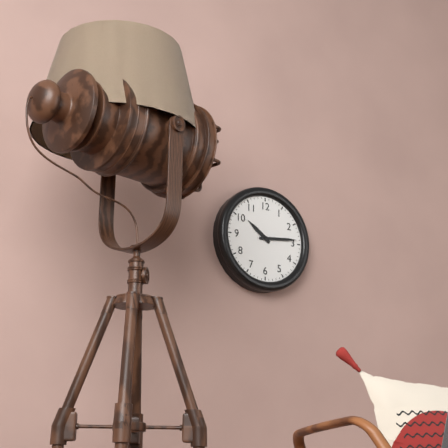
10:14
